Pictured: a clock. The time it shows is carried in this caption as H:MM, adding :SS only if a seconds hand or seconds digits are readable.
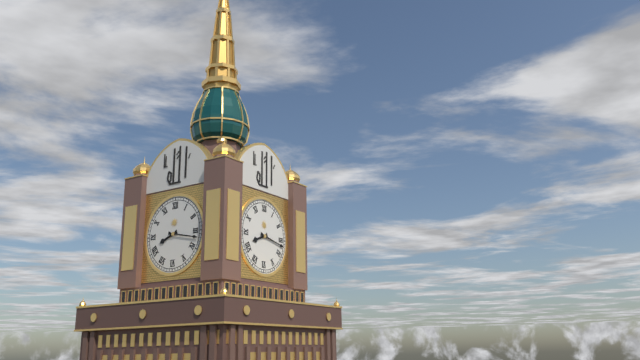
8:17
